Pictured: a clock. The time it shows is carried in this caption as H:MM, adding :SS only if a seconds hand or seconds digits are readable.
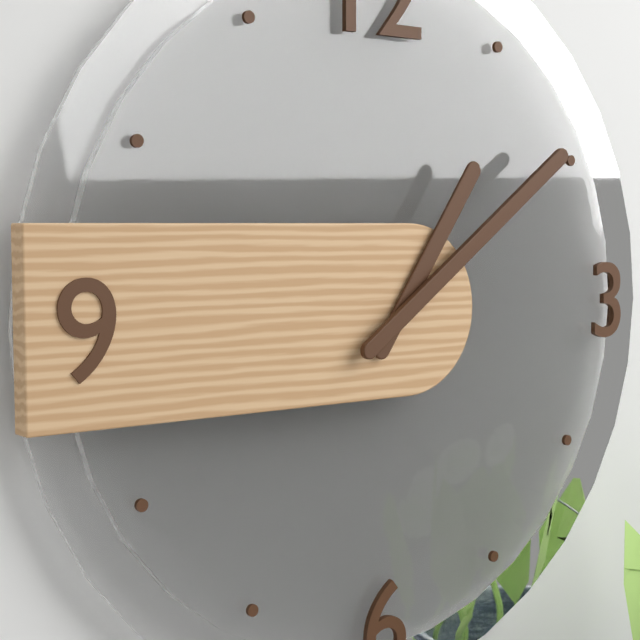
1:09
